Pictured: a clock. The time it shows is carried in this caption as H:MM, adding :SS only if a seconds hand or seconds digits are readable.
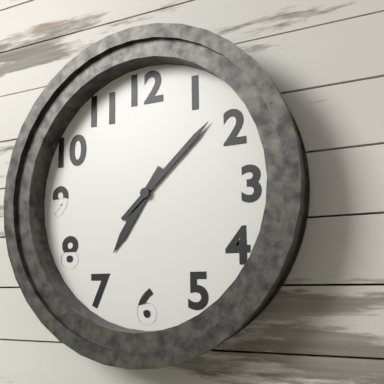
7:08
